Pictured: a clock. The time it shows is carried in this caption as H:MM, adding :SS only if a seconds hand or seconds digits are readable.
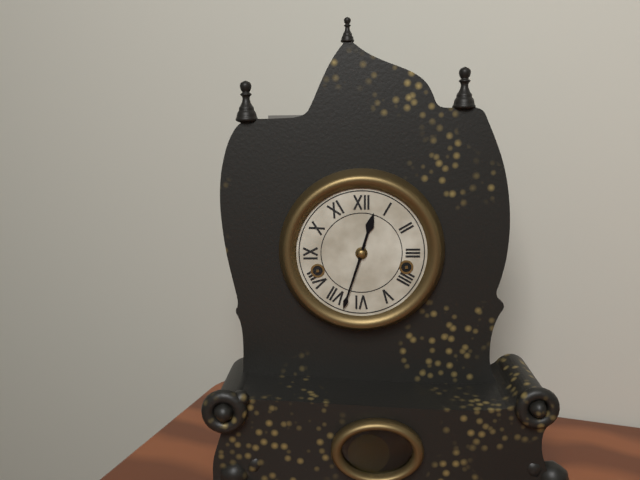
12:33
